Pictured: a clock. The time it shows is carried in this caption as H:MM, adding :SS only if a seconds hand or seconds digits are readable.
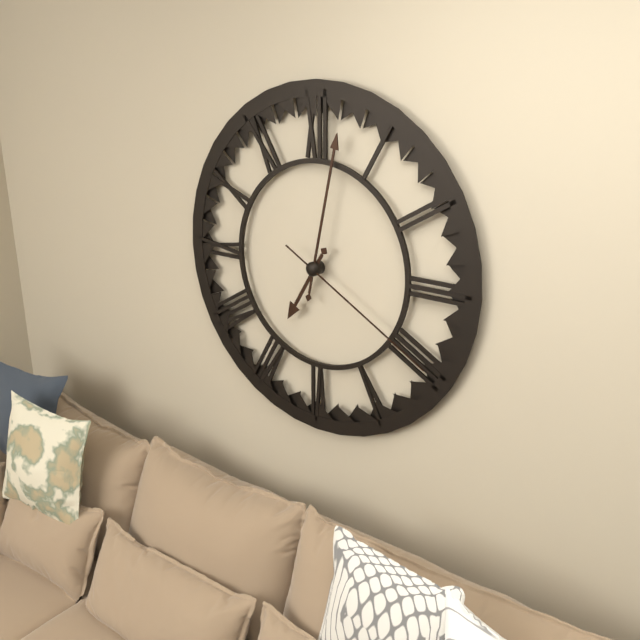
7:02:20
